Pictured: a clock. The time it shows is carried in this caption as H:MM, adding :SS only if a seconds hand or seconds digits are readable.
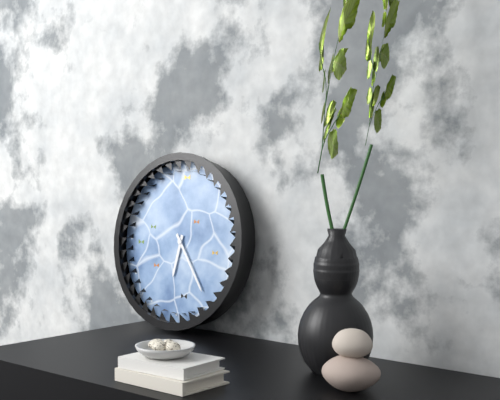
6:24
